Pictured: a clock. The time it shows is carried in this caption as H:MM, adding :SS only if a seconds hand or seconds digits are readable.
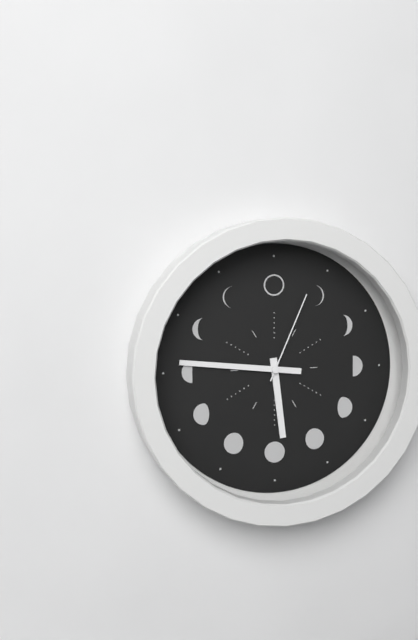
5:46:04
